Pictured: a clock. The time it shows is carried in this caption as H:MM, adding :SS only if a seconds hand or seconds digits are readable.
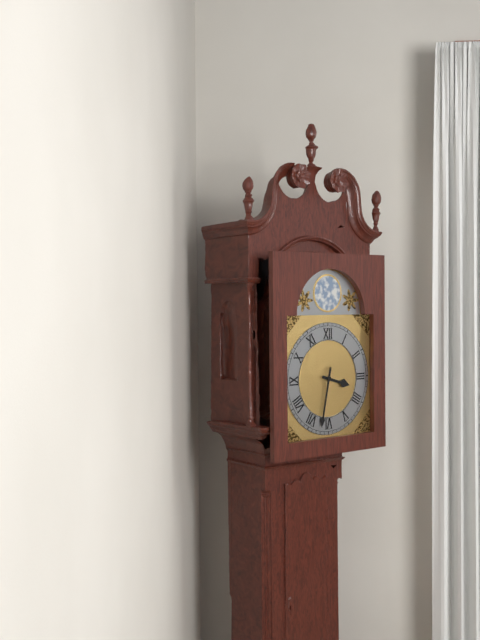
3:32
